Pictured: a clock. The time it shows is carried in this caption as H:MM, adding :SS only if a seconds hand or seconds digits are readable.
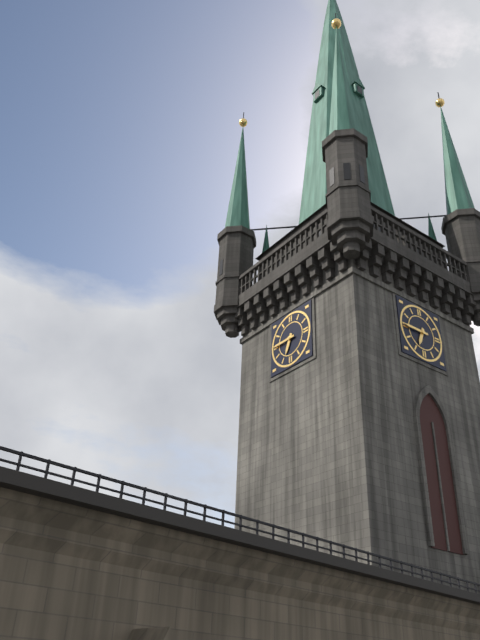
6:45
